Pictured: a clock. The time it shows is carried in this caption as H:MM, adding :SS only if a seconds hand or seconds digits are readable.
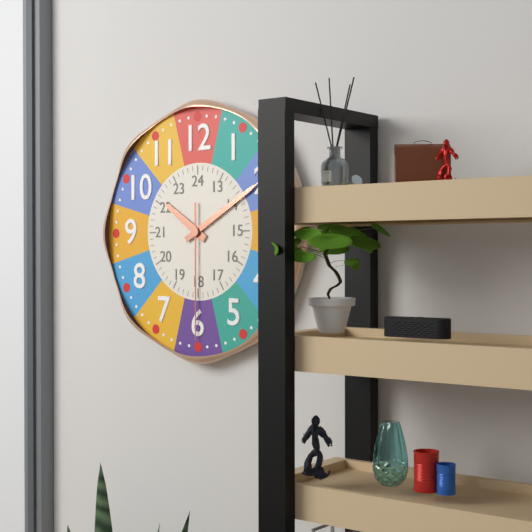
10:10:30
